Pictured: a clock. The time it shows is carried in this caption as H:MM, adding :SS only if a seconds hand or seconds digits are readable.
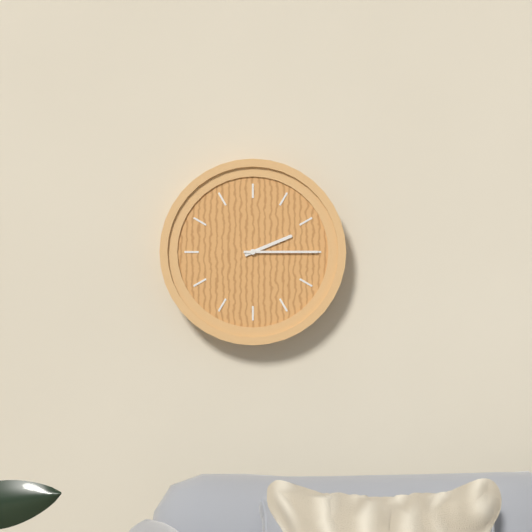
2:15
